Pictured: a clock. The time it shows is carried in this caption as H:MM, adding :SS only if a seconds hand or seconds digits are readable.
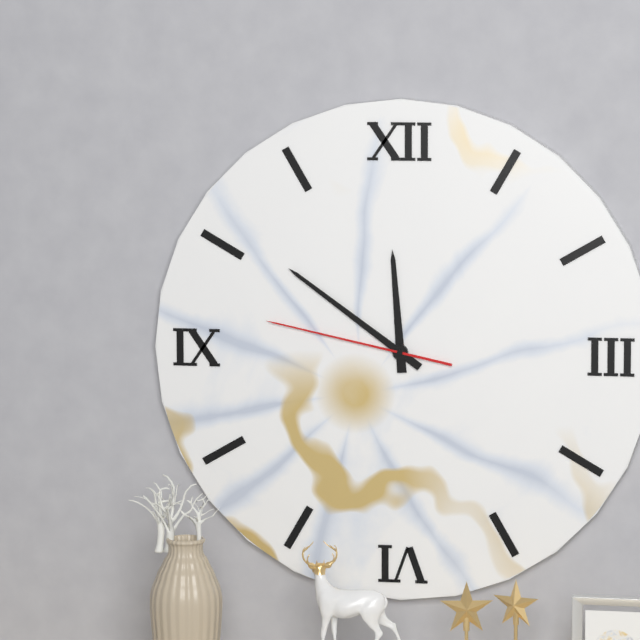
11:51:47
